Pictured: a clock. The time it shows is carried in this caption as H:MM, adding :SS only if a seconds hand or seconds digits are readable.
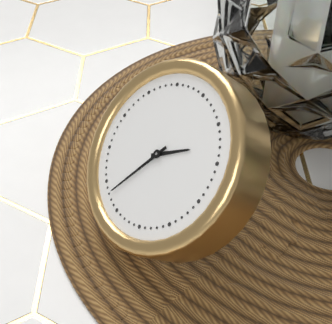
1:33
